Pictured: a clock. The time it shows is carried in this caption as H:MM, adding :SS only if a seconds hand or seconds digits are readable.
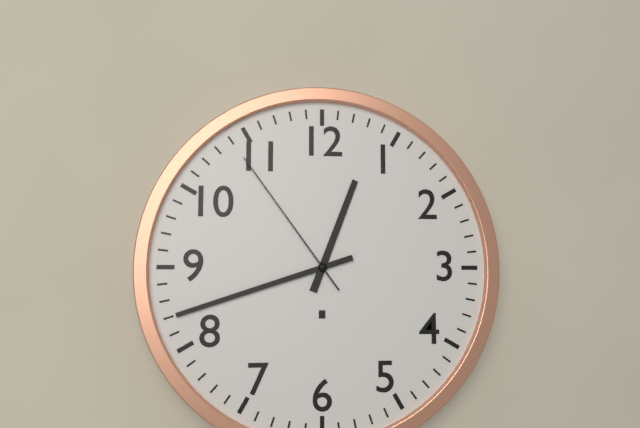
12:42:54
